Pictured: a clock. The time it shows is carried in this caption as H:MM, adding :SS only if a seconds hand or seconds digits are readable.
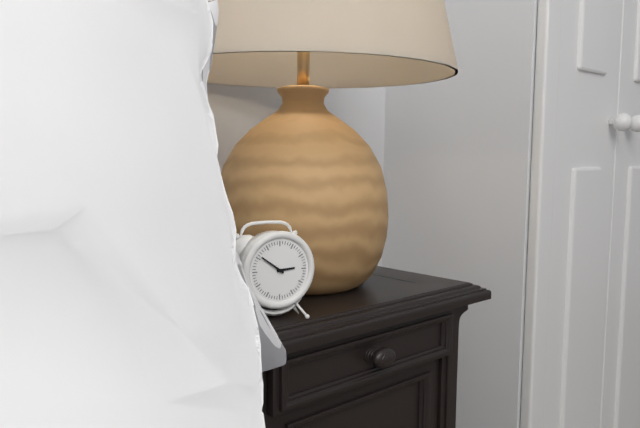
2:51
